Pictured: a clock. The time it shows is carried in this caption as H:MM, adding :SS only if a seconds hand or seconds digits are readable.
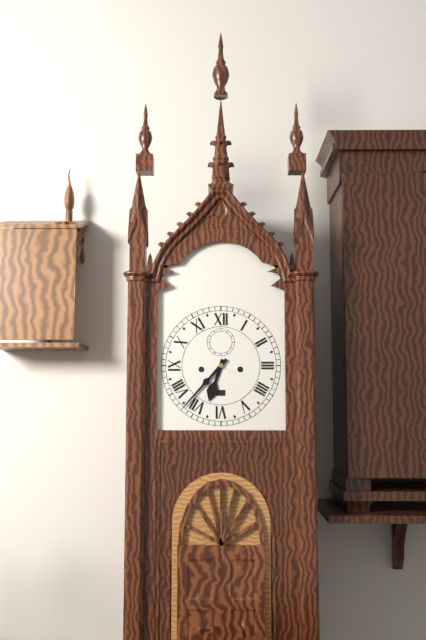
6:37
